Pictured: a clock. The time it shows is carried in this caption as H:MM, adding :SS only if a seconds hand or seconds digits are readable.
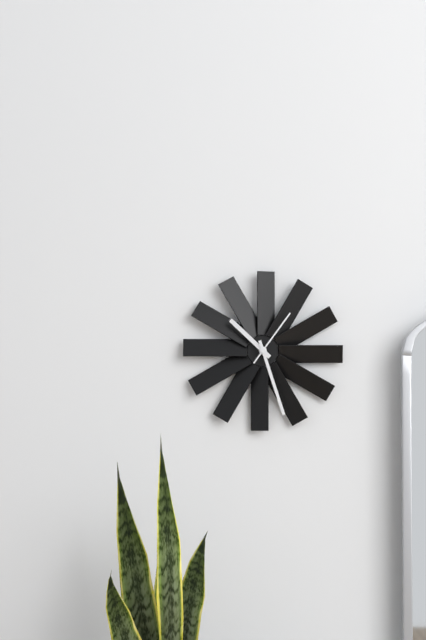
10:27:06
